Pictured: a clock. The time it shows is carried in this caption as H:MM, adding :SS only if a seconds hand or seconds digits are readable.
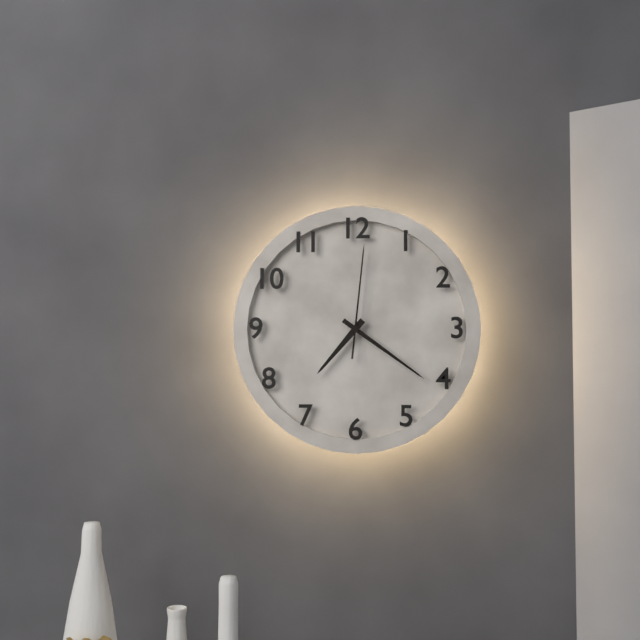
7:21:01
